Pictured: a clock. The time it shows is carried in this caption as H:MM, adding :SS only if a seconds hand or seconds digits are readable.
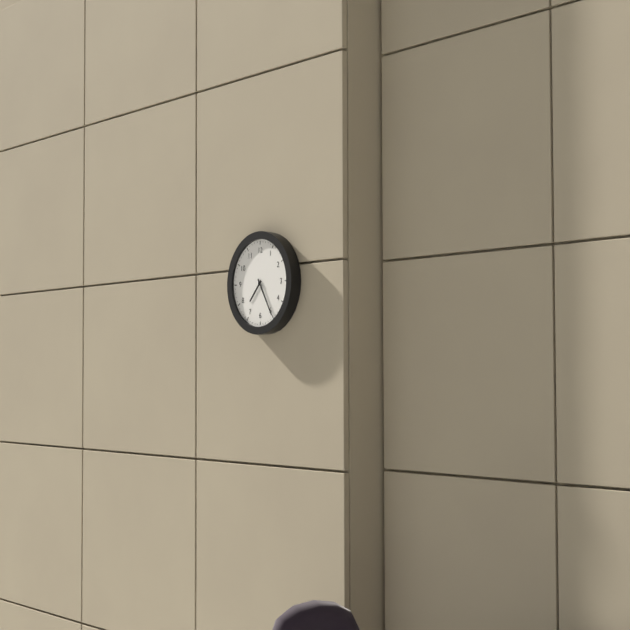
7:25
